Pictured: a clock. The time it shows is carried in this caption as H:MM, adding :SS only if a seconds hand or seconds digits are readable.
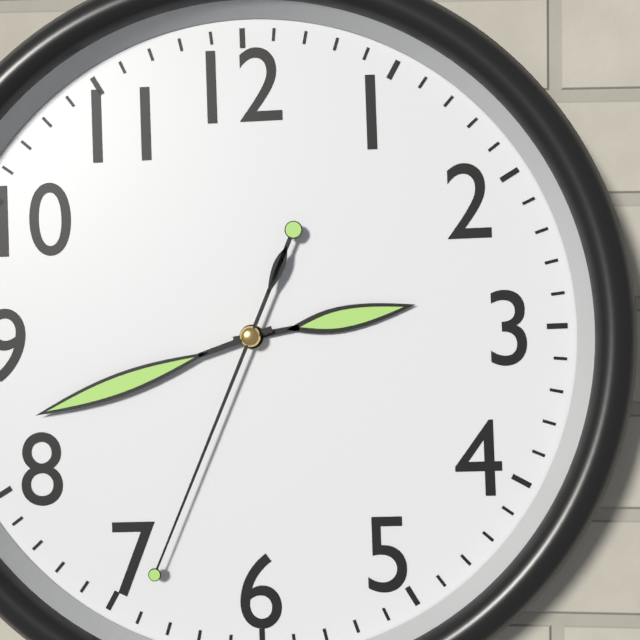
2:42:34
